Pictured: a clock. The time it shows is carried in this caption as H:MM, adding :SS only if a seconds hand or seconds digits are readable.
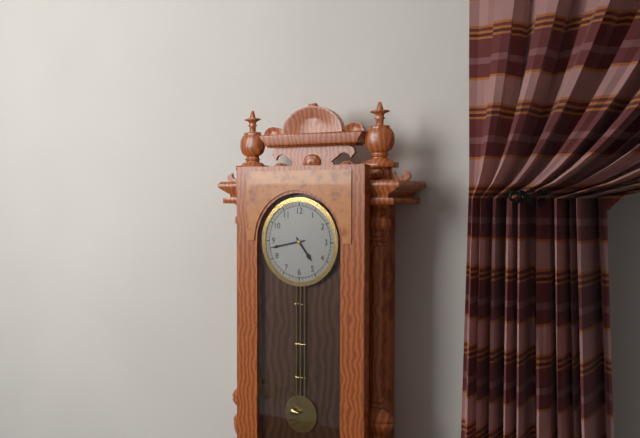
4:43
